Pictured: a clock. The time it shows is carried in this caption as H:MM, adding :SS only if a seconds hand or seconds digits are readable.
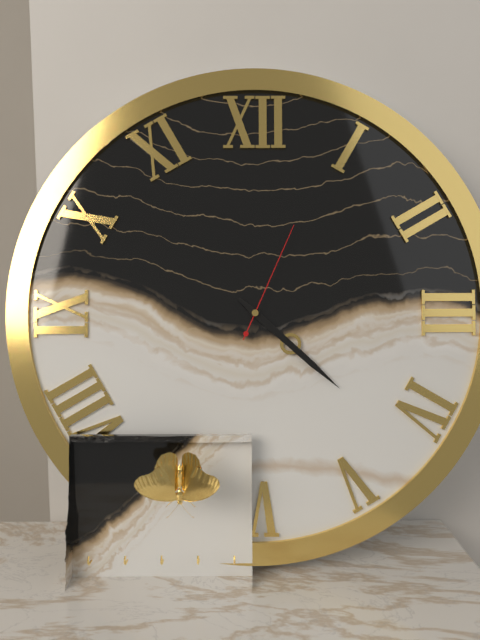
4:22:04
